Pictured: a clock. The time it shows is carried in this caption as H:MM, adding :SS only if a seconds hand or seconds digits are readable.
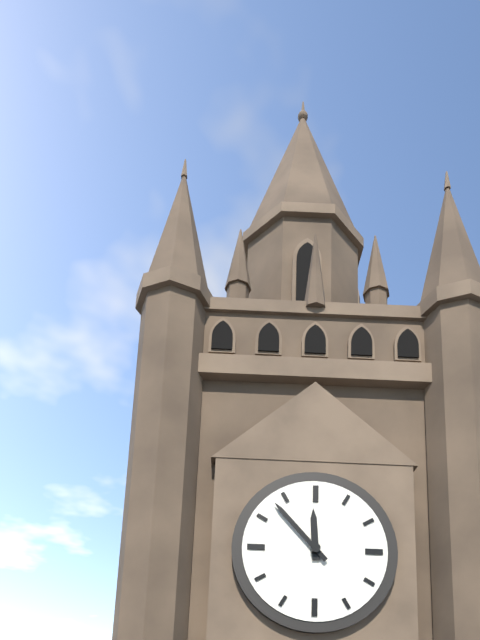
11:53
